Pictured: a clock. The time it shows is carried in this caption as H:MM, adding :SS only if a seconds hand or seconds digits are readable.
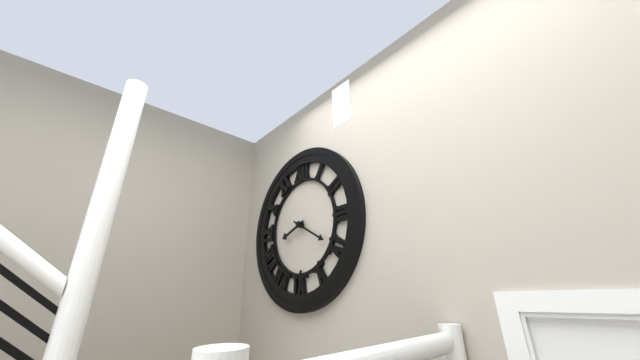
8:20
